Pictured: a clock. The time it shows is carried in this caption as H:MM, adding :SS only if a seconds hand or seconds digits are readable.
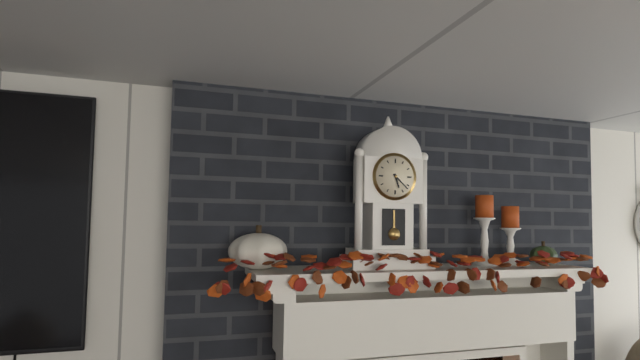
5:22
